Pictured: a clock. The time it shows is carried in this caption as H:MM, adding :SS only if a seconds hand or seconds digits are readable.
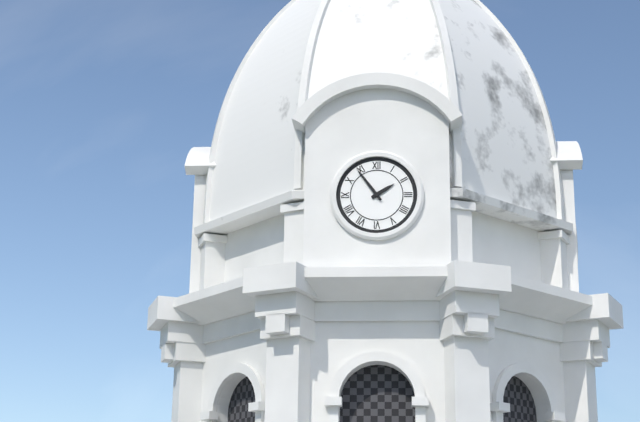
1:54
